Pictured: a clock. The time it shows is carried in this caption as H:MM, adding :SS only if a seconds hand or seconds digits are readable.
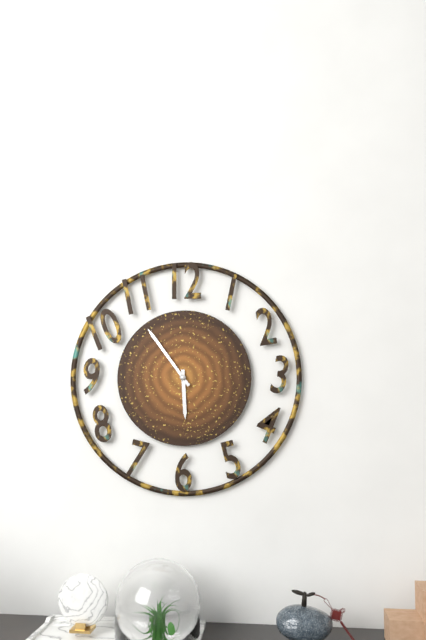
5:54
